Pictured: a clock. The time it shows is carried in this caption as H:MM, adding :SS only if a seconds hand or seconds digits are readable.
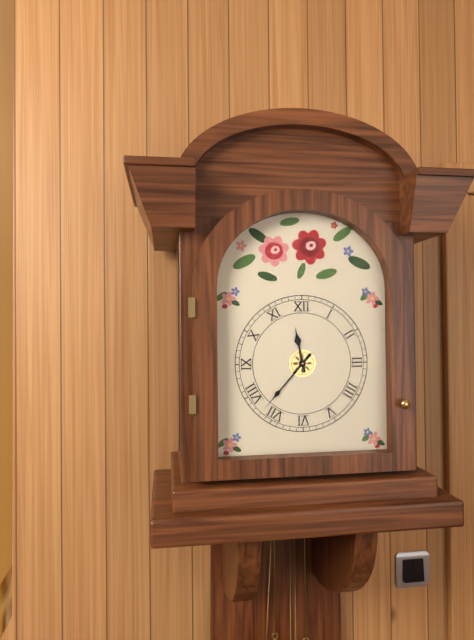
11:37
